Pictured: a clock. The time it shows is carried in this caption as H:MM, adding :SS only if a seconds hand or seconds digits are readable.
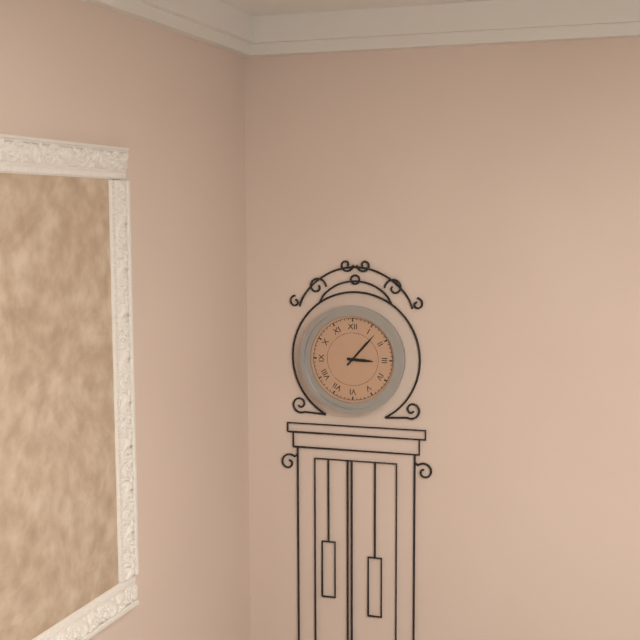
3:07
